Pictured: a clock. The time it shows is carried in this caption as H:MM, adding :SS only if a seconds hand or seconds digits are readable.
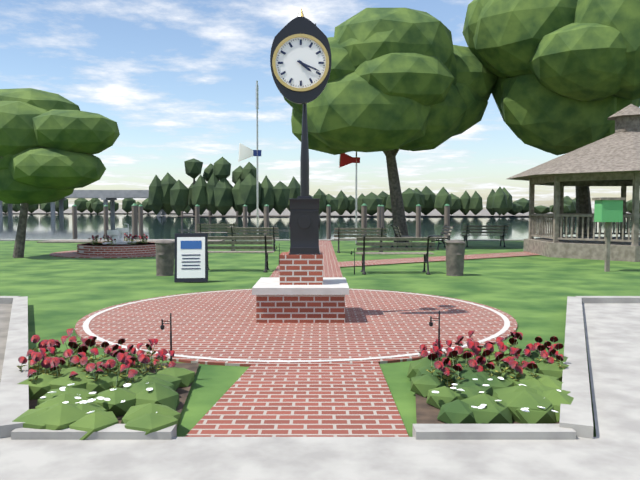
4:19
